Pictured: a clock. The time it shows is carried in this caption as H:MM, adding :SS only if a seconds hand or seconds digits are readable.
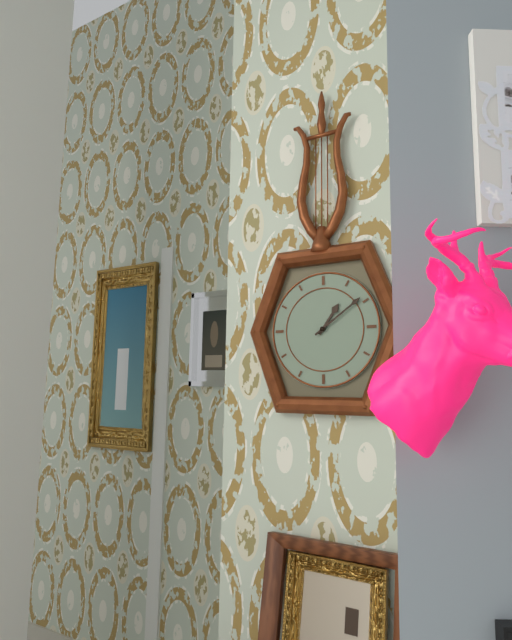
1:09
